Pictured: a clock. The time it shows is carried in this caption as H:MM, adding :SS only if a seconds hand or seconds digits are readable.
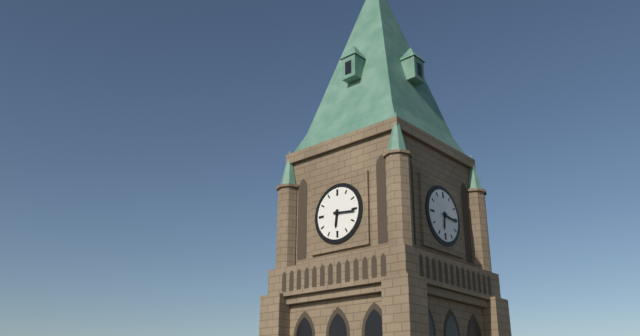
6:16
